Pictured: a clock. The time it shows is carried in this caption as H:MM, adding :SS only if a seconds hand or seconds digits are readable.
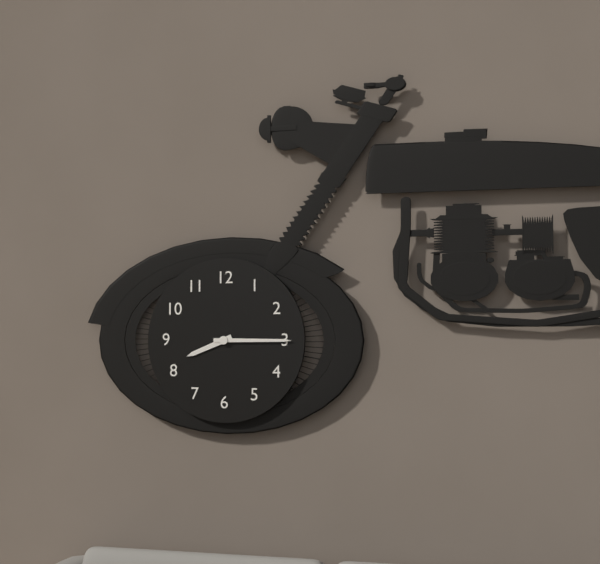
8:15
